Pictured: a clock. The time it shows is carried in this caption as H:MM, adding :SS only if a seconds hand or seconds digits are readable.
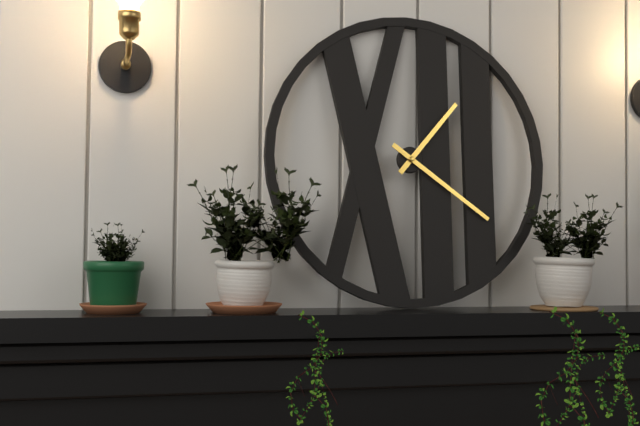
1:21
